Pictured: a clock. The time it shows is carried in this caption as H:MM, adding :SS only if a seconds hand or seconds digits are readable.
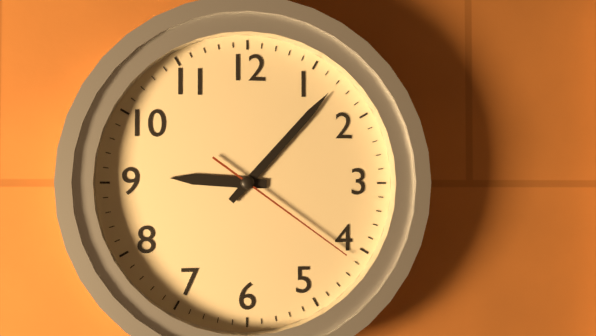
9:07:21
